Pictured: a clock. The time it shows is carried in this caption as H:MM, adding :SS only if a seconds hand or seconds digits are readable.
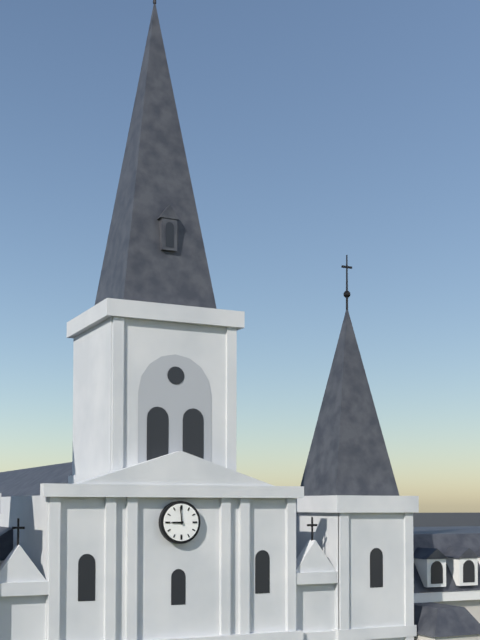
8:59
